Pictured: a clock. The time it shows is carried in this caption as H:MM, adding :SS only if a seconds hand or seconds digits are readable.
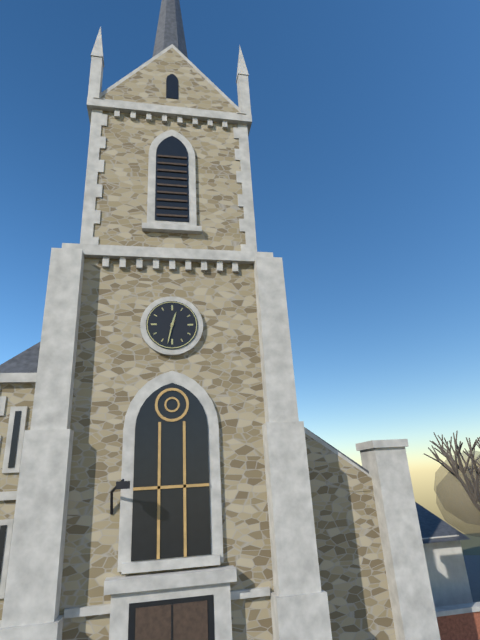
12:32
